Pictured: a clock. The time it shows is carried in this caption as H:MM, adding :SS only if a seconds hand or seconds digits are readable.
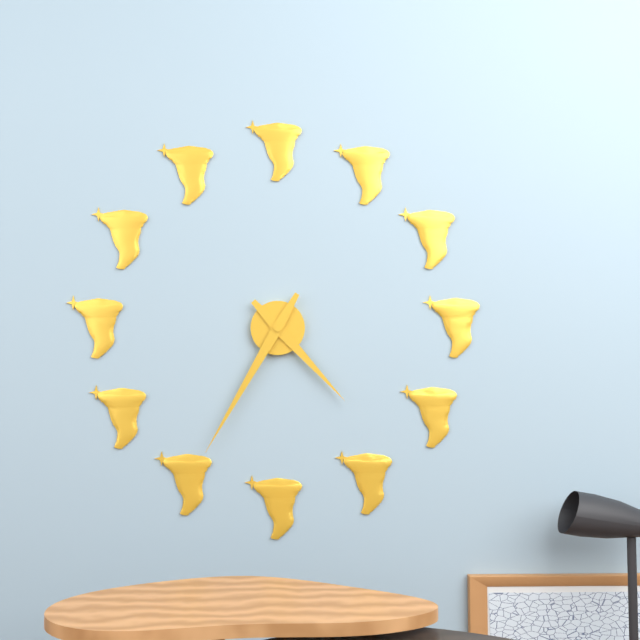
4:35
